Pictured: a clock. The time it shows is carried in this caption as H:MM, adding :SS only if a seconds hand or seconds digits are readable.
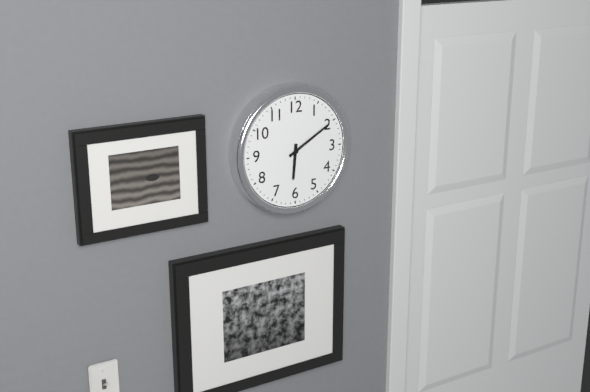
6:10
